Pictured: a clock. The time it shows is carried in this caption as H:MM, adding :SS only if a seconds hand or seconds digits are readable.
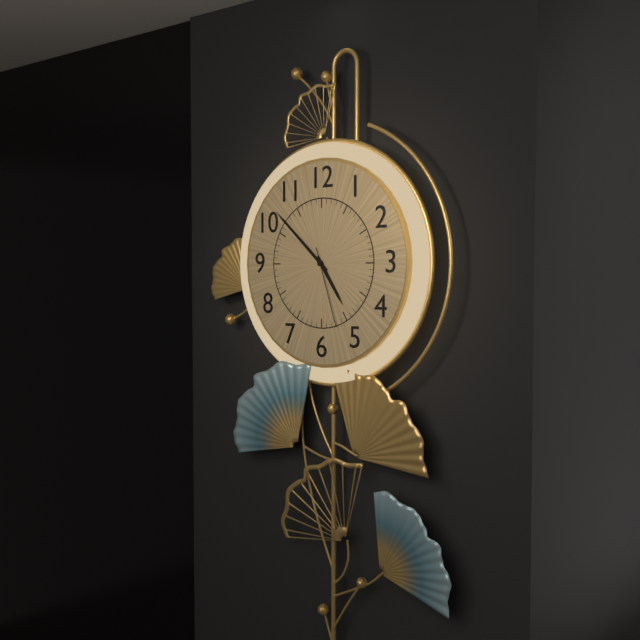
4:52:27
